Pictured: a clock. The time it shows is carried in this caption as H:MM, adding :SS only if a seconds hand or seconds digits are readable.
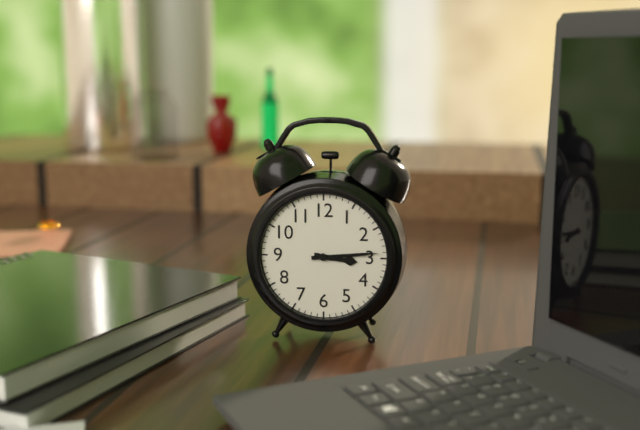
3:14
